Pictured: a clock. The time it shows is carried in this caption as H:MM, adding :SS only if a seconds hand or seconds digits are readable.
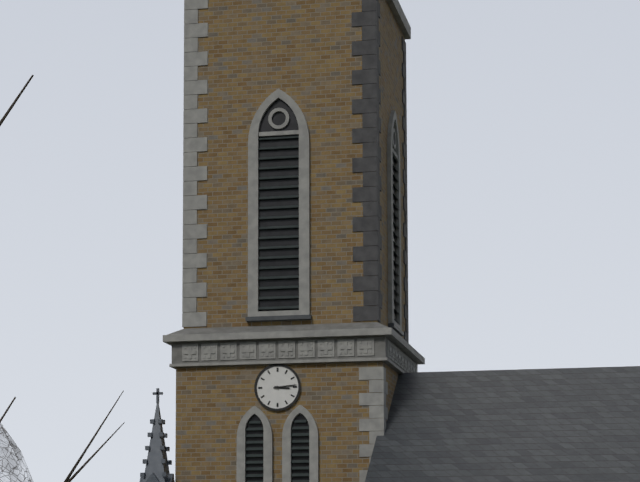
3:14
